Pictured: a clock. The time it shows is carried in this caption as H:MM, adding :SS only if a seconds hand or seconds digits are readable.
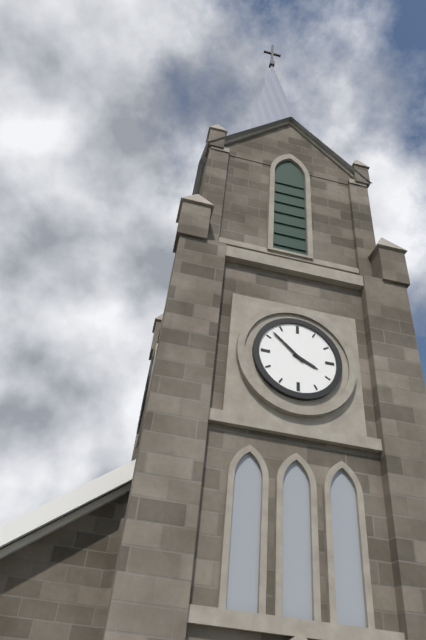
3:52
